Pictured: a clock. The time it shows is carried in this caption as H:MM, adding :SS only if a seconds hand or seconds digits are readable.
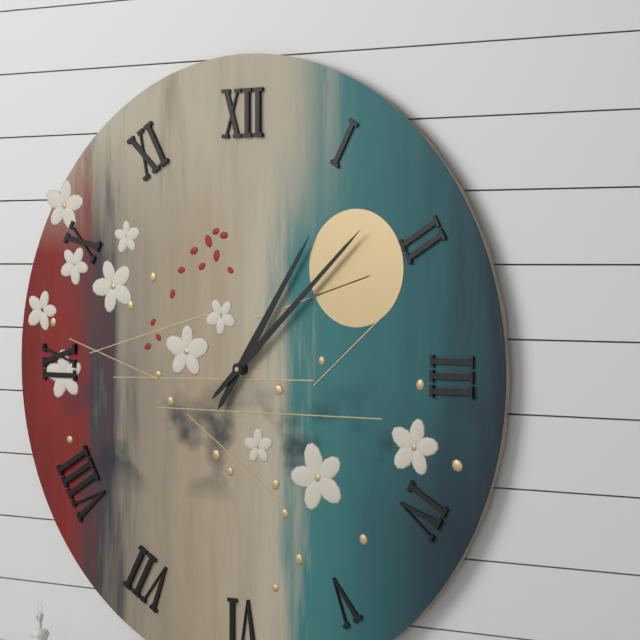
1:08
